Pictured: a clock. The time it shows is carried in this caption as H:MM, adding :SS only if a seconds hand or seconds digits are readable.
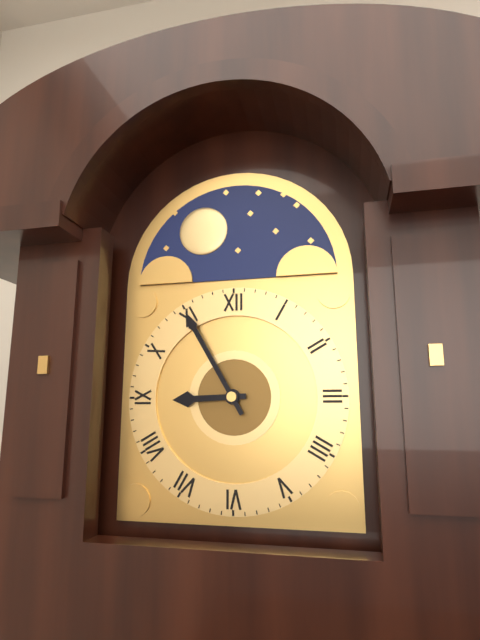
8:55
